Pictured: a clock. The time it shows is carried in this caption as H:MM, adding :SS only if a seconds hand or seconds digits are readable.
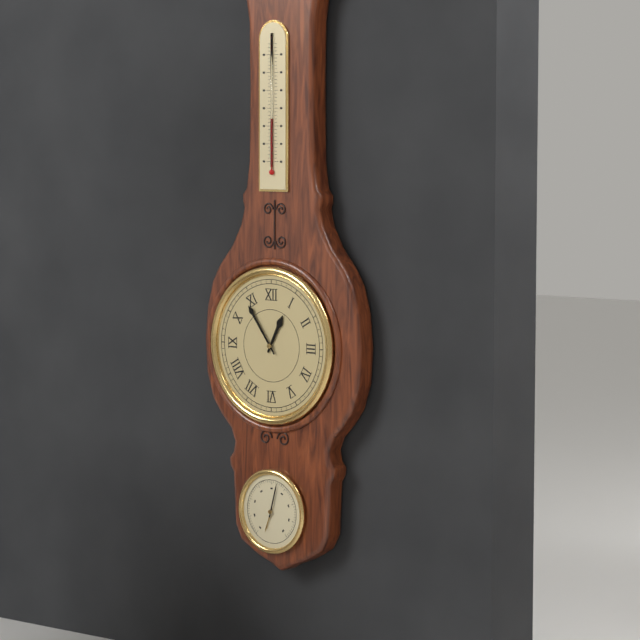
12:54
